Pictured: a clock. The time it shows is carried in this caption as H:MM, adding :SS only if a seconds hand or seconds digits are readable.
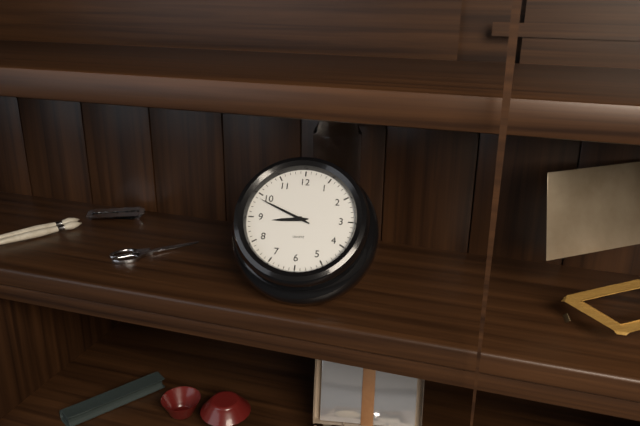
8:49
